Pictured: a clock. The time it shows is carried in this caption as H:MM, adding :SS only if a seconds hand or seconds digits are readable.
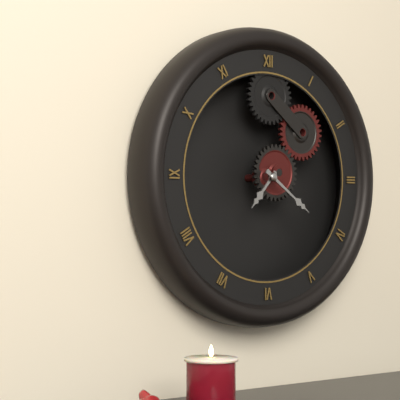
7:21
